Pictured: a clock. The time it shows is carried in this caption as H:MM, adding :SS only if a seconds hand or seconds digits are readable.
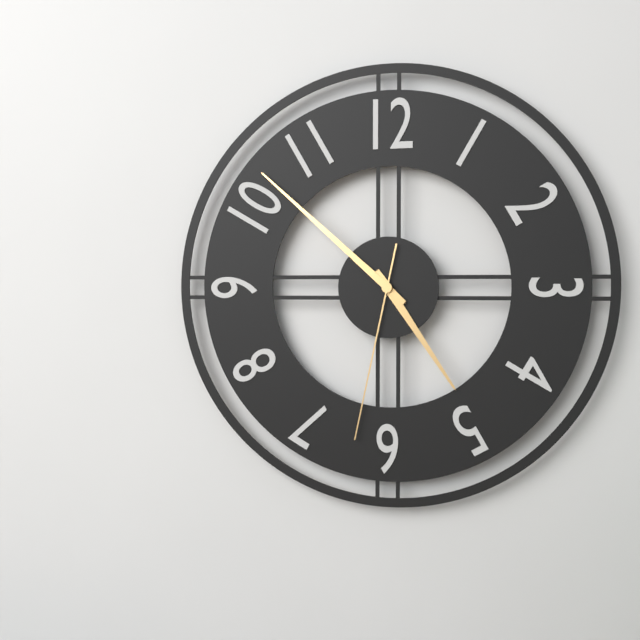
4:52:32
